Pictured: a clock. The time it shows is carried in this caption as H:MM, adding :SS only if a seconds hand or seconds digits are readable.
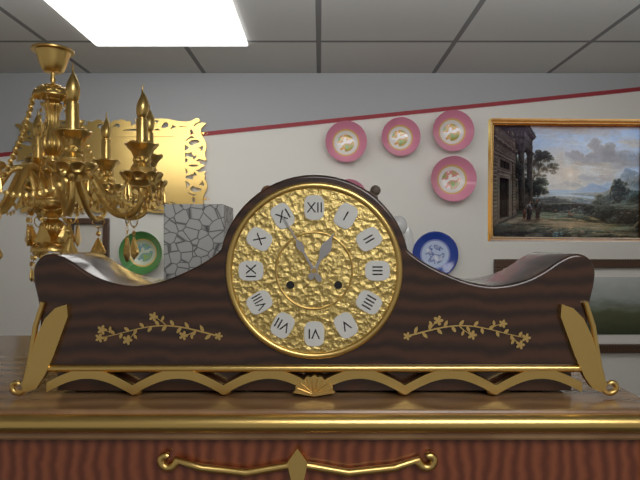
12:55
